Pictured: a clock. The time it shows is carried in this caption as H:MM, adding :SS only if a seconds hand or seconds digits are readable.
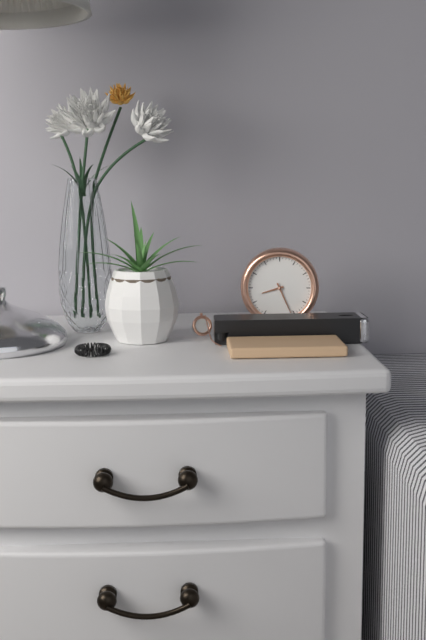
8:26
